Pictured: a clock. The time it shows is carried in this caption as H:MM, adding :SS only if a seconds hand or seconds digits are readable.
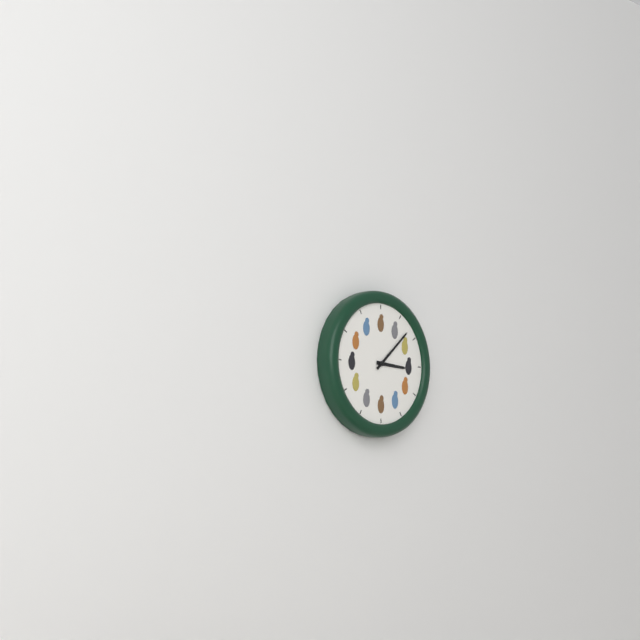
3:08
